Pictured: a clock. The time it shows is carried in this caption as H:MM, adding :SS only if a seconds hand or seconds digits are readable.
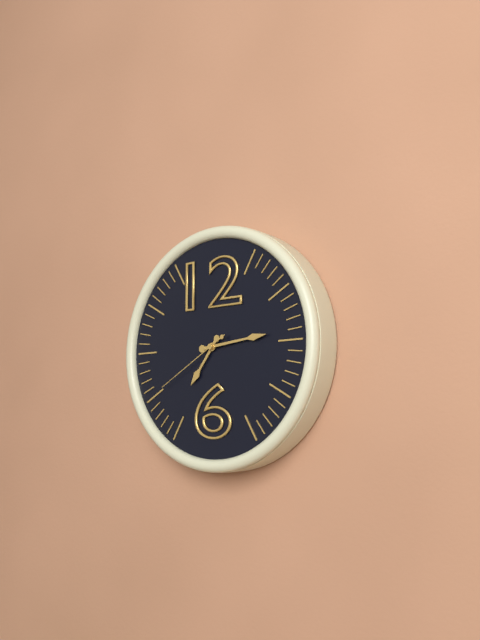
7:14:40
